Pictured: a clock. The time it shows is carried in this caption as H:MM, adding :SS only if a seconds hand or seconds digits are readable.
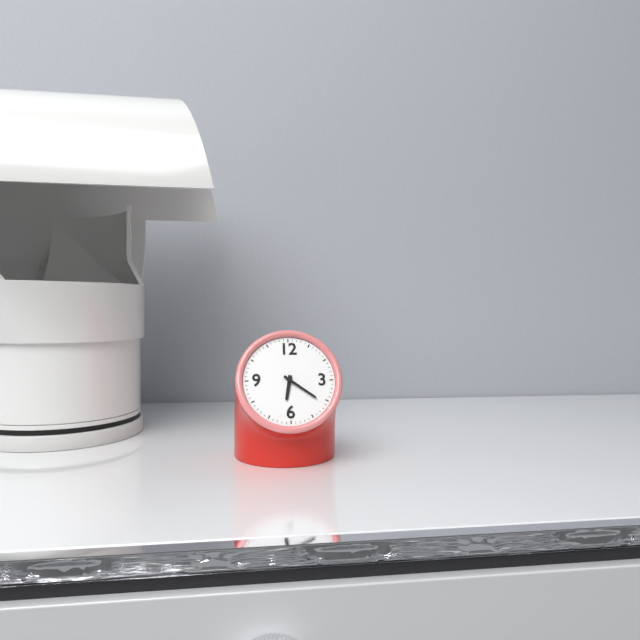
6:21
